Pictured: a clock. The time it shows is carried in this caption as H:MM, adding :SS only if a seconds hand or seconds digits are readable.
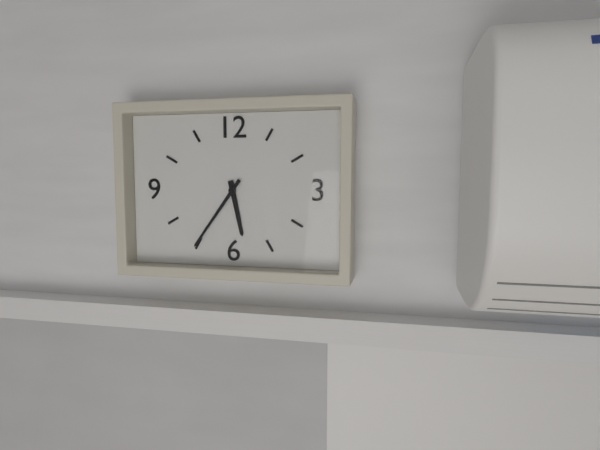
5:36
